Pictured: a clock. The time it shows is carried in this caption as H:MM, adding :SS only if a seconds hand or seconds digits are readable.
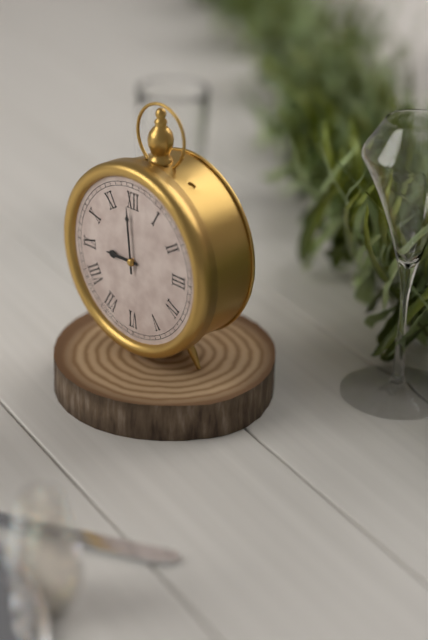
8:59
